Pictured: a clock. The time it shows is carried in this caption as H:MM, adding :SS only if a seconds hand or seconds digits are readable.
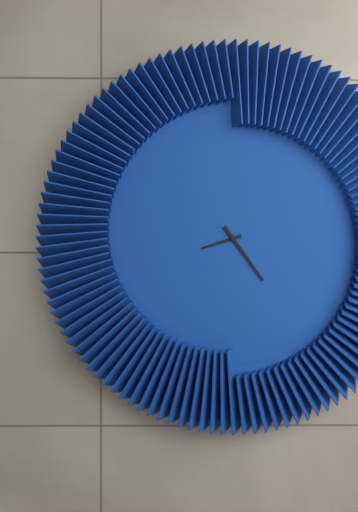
8:24
